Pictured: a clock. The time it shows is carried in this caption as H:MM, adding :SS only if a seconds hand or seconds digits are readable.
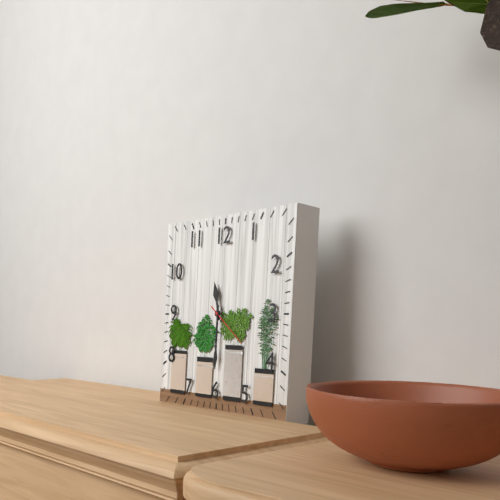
11:30
